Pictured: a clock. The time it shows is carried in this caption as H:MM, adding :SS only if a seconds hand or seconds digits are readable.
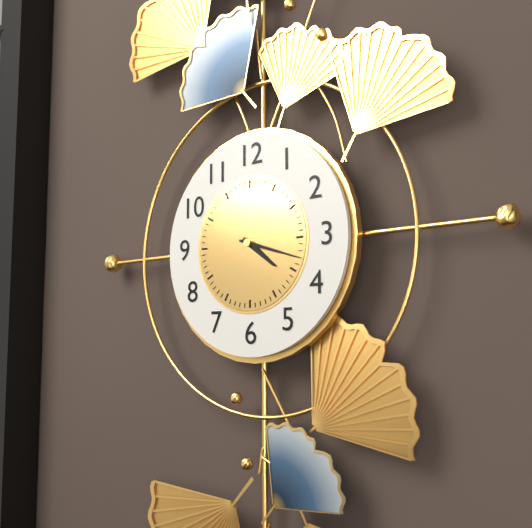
4:18
